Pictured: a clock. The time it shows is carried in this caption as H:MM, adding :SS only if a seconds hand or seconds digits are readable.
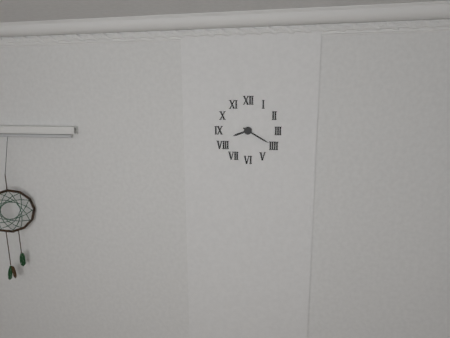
8:20
